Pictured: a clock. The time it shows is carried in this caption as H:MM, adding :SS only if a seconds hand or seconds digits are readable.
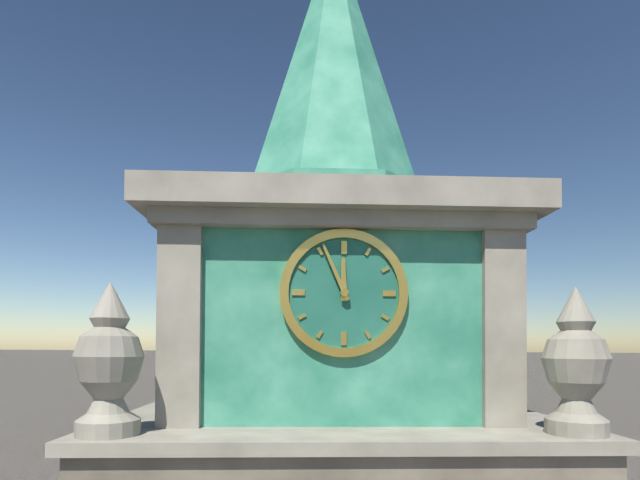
11:56
